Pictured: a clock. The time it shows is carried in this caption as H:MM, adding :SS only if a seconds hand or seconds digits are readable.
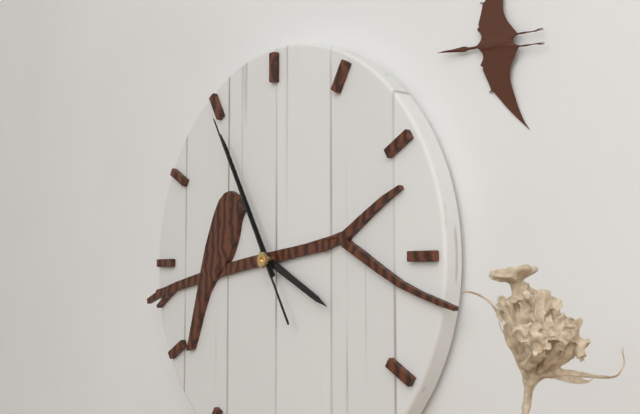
3:55:55
